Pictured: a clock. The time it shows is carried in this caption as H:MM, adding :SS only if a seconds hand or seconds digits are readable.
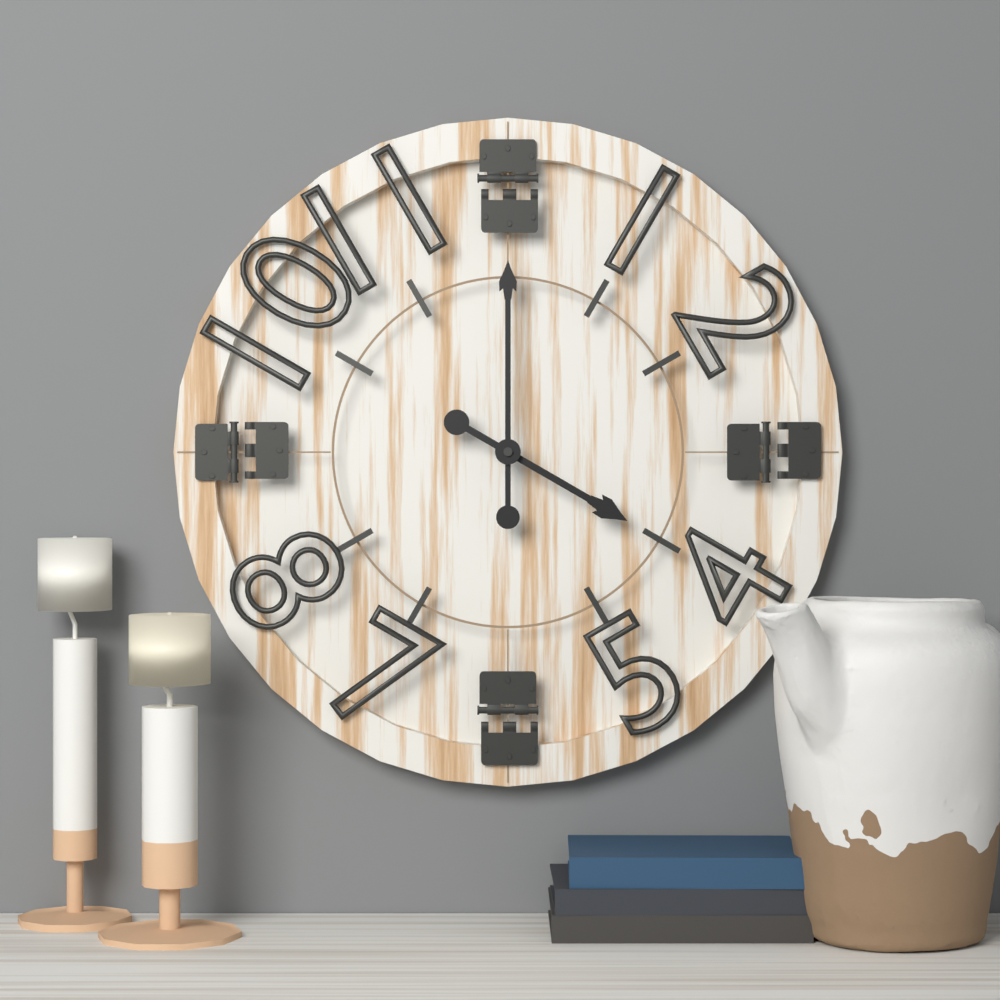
4:00
